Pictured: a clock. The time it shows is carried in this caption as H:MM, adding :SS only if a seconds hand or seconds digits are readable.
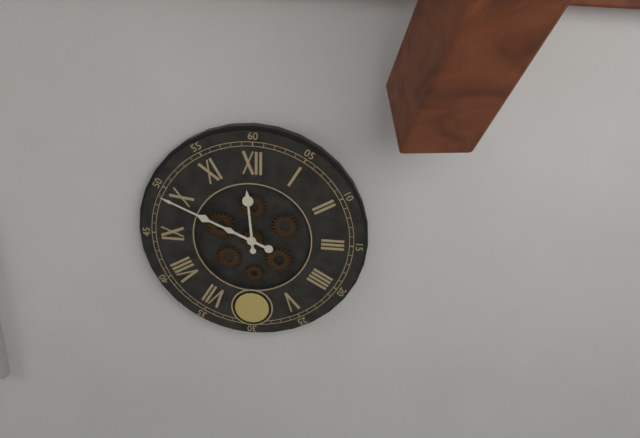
11:49
